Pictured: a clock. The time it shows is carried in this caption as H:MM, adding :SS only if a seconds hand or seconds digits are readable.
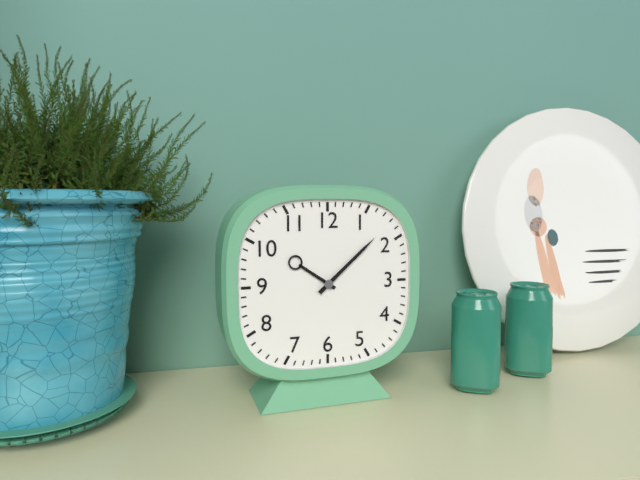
10:08
